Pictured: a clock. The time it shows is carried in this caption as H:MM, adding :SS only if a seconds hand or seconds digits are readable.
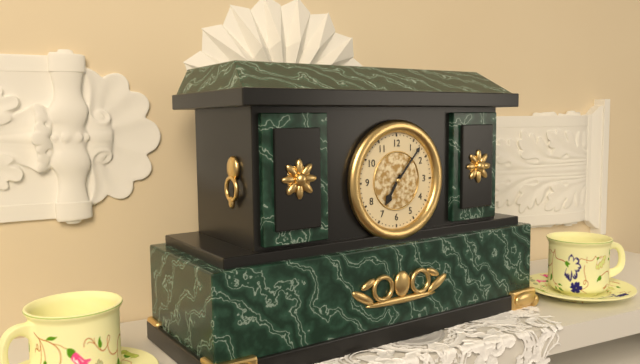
7:07
